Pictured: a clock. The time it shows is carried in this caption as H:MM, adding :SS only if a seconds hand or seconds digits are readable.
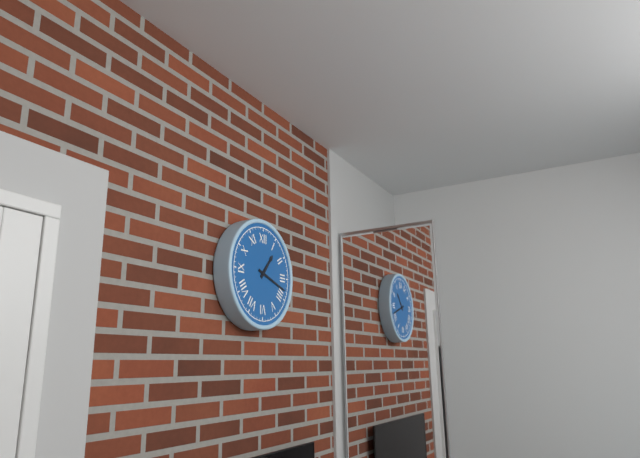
1:18
